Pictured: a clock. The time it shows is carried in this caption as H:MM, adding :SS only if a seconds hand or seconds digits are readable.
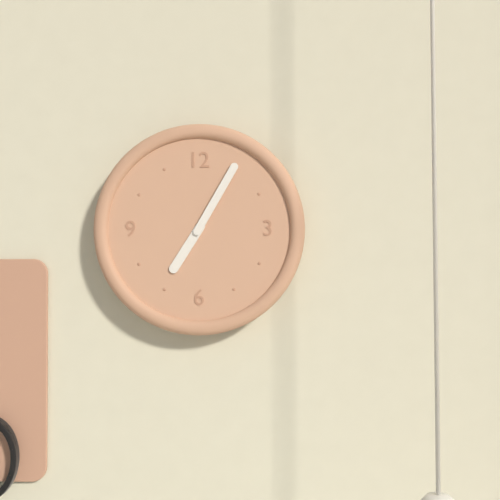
7:05
